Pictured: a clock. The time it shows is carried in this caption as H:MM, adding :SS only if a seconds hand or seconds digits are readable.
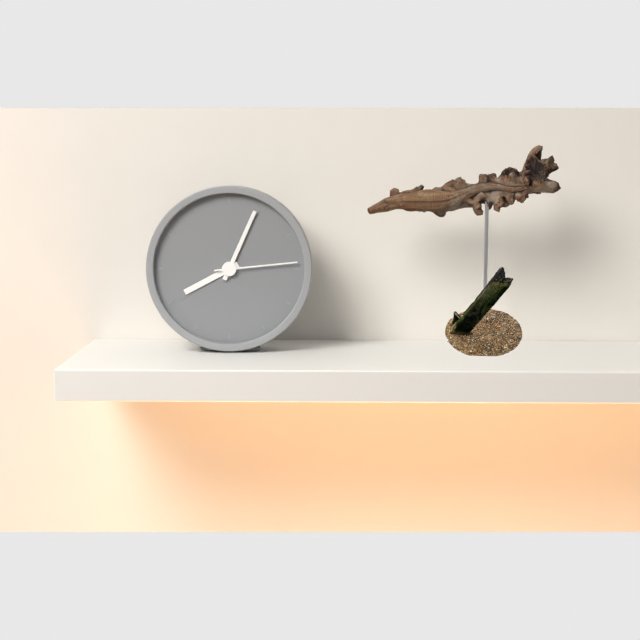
8:04:14
